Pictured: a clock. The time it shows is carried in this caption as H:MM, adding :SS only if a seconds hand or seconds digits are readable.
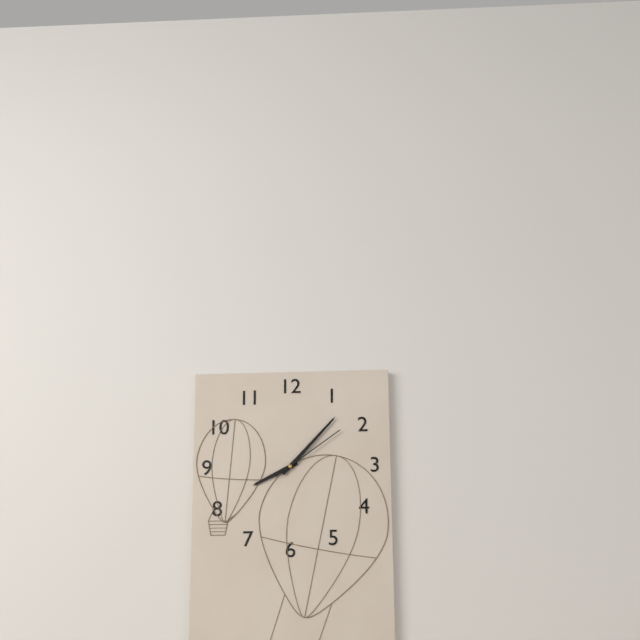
8:07:09
